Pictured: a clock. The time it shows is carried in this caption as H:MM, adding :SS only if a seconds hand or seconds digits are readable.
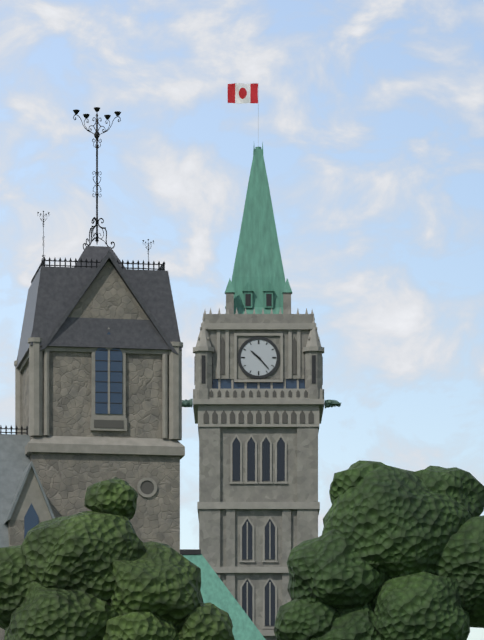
10:23
